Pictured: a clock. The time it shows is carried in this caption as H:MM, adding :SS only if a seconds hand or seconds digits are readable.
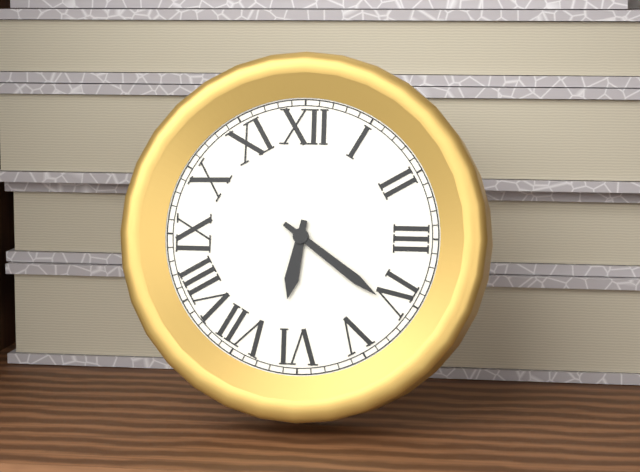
6:21
